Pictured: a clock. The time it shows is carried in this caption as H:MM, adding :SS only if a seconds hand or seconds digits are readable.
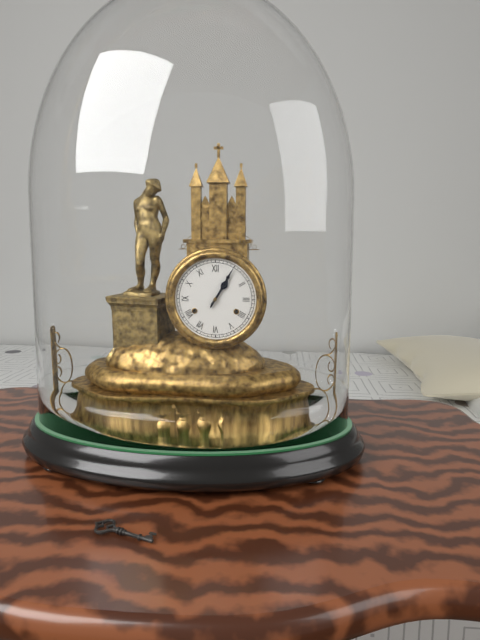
1:05
